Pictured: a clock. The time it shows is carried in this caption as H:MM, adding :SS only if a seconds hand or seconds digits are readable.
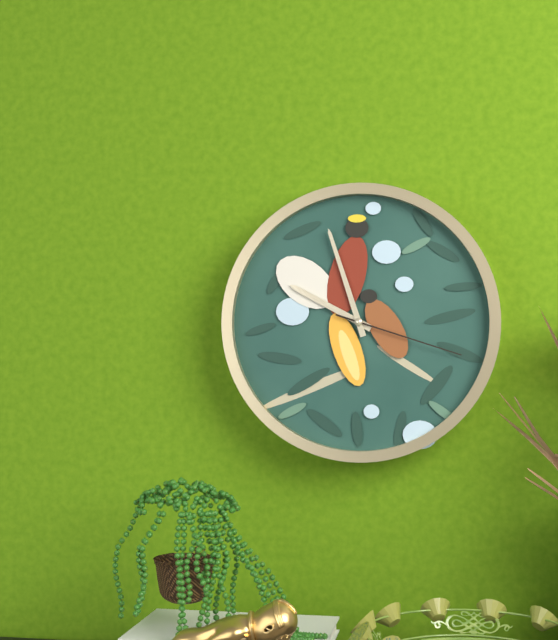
9:57:18
